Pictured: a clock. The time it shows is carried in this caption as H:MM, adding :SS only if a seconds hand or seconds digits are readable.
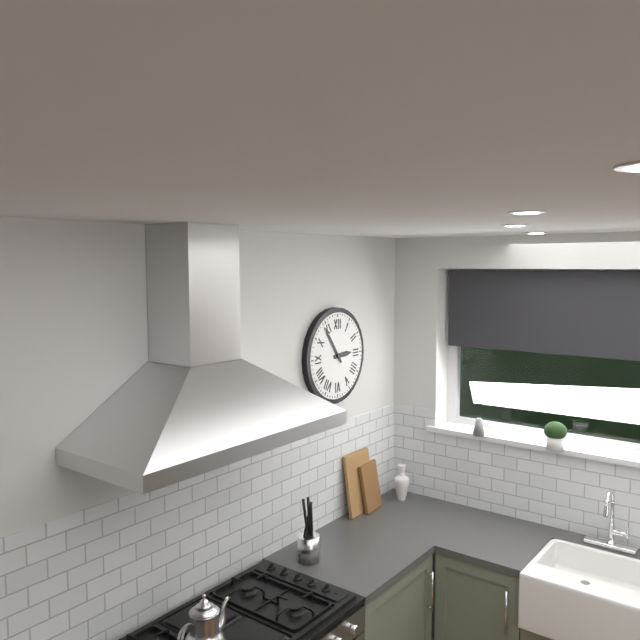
2:54
